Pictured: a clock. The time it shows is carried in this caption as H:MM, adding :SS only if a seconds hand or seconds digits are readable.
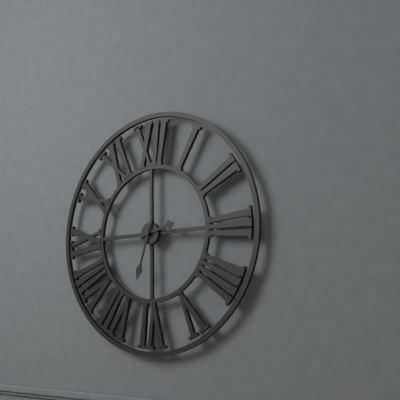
2:33
